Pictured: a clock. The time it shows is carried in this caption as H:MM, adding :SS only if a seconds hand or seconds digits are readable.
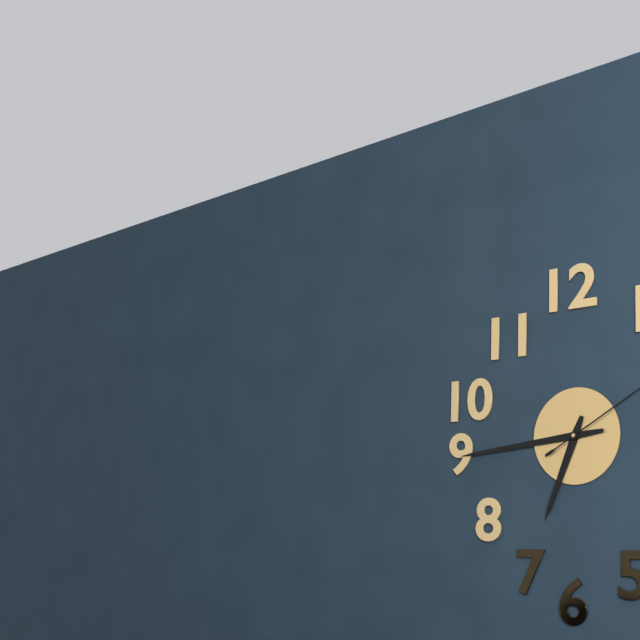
6:44
